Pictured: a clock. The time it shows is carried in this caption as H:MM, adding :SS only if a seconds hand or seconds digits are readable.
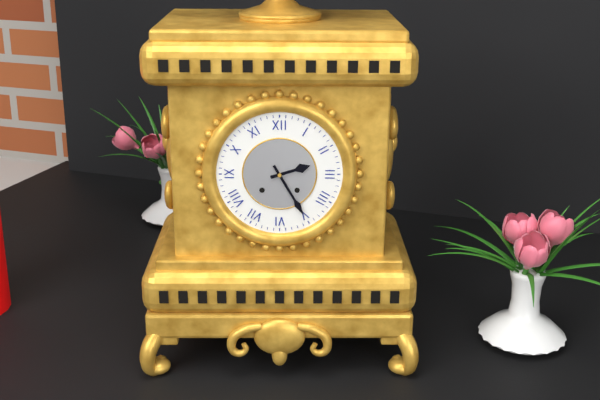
2:25
